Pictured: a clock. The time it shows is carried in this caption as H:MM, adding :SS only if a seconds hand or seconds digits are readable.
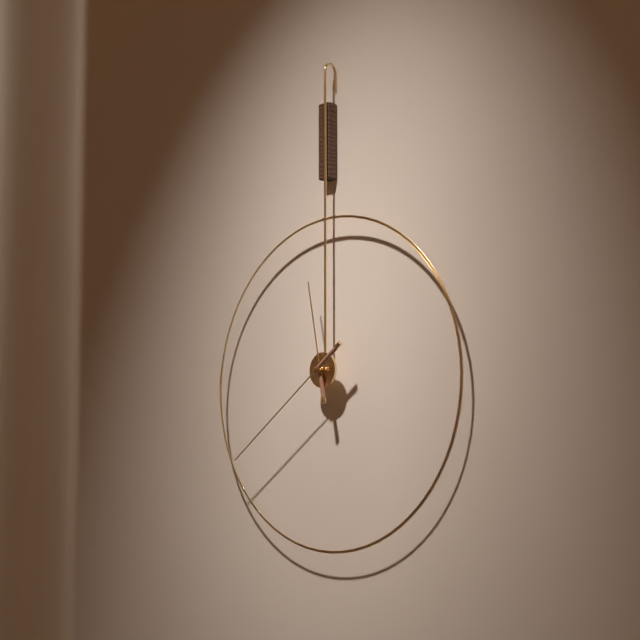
11:39
